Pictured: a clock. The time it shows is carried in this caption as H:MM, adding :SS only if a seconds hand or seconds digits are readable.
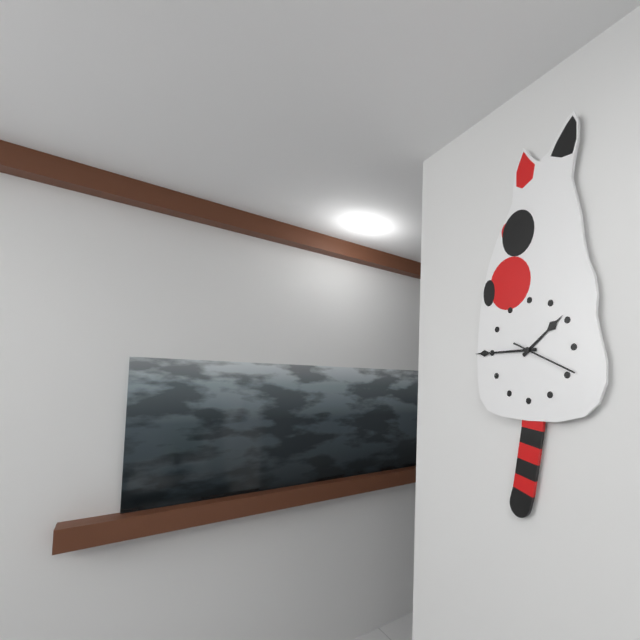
1:45:19
